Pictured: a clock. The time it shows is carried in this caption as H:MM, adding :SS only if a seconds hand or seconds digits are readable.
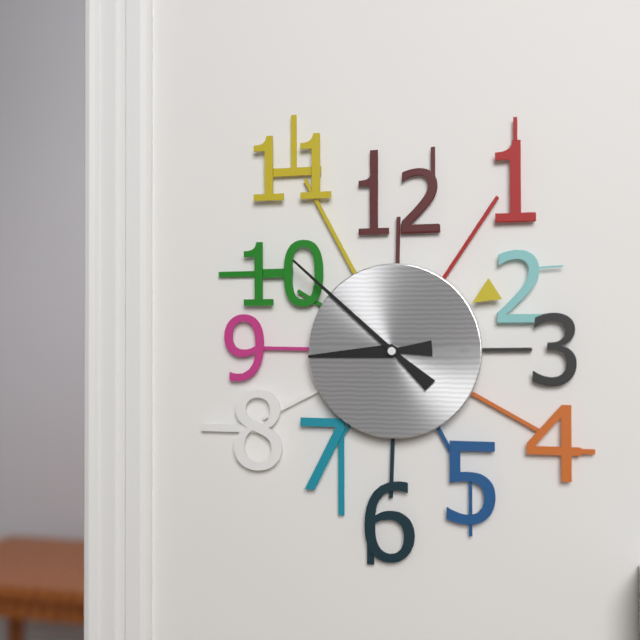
8:52
